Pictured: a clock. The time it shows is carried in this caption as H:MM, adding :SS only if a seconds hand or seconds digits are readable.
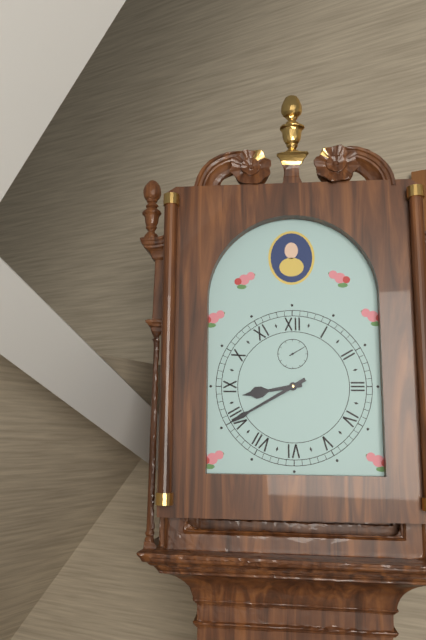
8:40
